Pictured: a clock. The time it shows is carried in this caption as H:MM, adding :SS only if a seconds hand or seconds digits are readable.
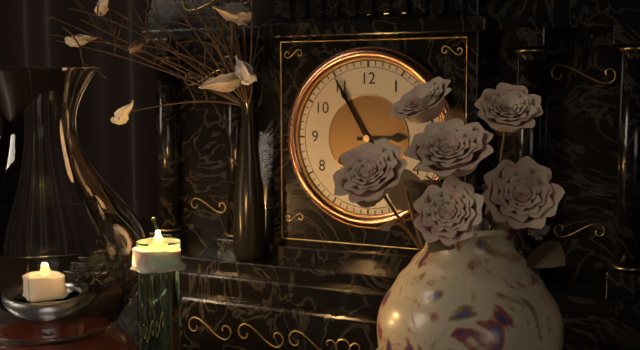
2:55
